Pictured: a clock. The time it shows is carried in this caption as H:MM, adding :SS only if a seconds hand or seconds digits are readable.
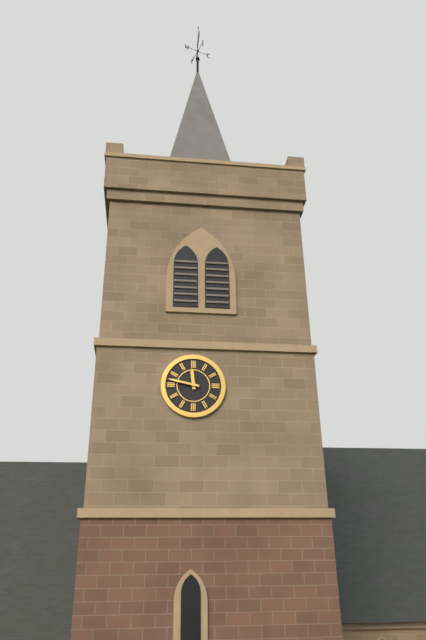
11:47
